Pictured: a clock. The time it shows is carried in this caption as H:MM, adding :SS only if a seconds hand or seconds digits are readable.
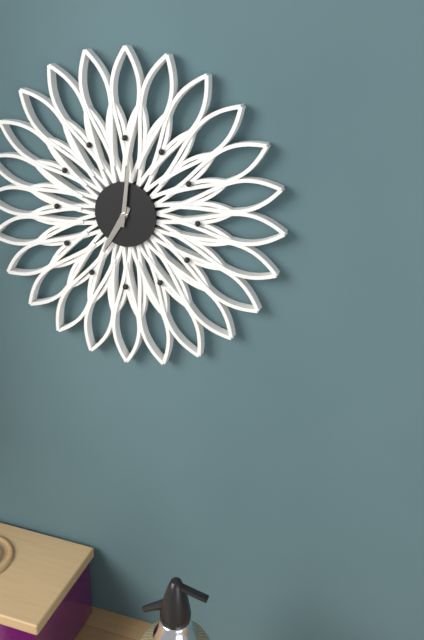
7:01
